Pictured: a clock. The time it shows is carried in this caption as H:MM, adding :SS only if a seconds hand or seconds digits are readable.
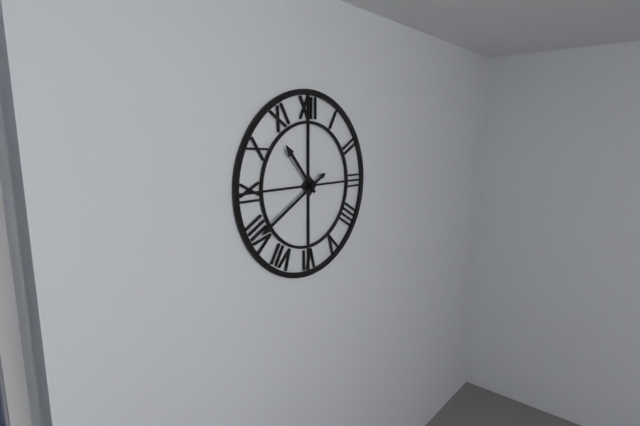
10:40
